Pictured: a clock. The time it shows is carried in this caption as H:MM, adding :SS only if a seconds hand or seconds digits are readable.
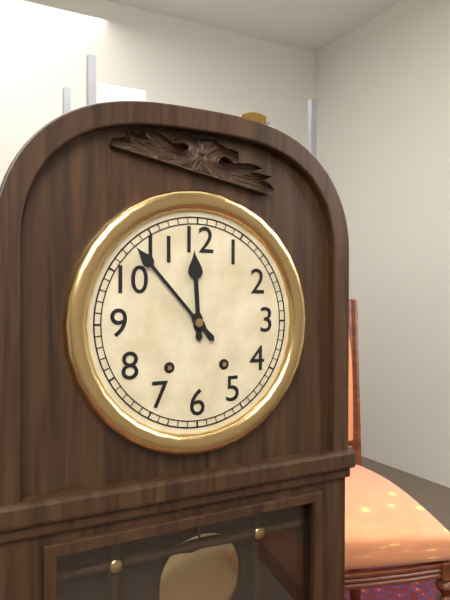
11:53
